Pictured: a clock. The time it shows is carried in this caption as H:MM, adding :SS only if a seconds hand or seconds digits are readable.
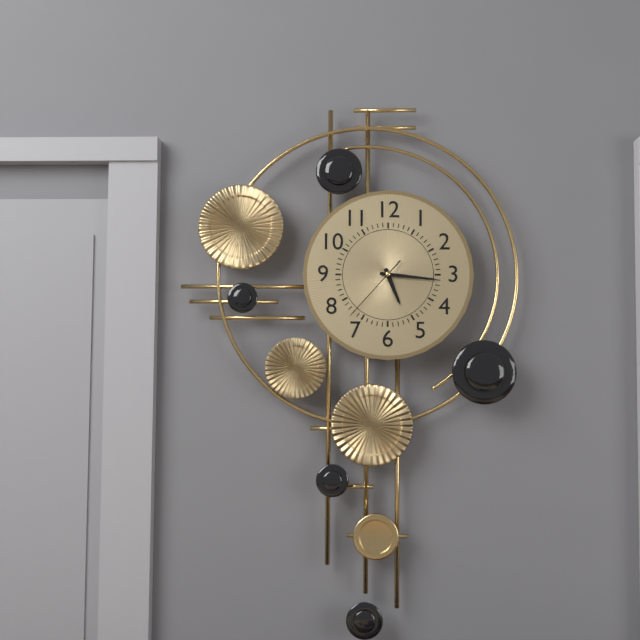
5:16:37
